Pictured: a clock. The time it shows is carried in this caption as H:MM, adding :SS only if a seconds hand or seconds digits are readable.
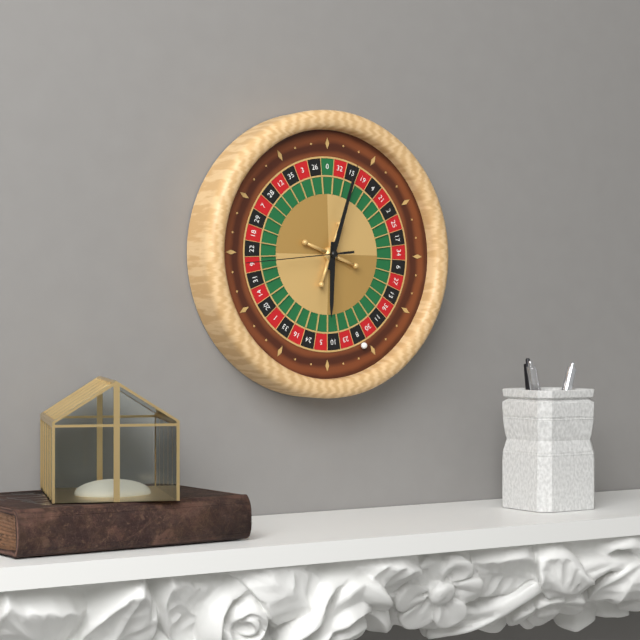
6:03:44
